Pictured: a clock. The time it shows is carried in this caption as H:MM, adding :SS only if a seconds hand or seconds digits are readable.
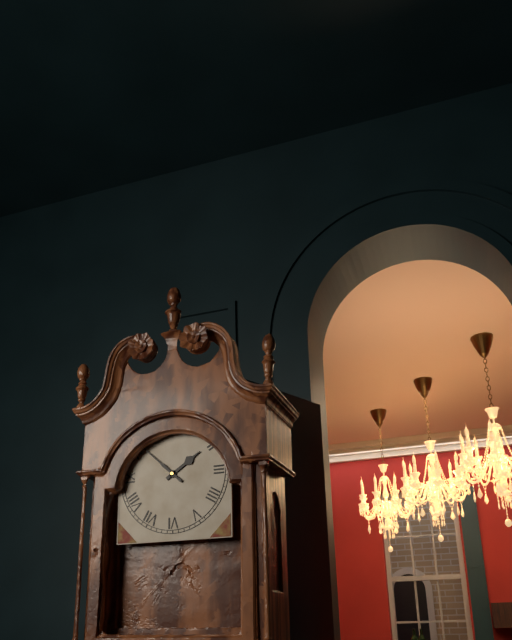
1:52
